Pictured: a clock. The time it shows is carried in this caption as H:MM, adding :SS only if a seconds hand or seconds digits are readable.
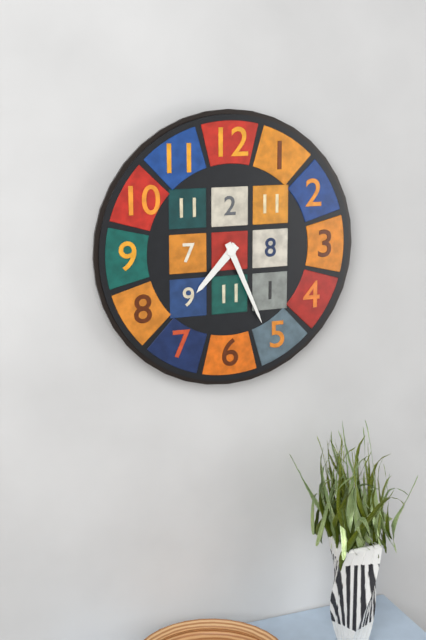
7:26
